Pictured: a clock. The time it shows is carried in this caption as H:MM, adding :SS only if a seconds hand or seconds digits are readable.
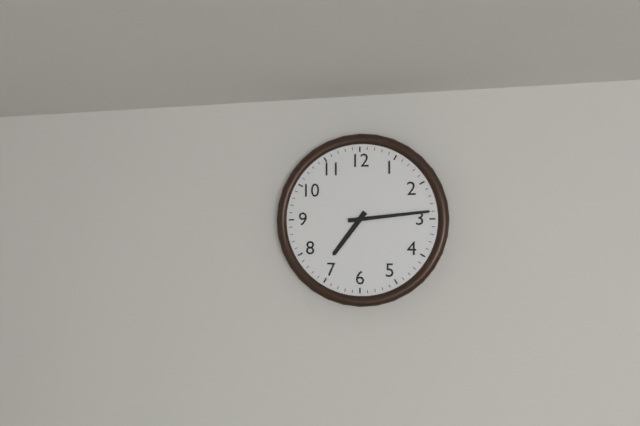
7:14
